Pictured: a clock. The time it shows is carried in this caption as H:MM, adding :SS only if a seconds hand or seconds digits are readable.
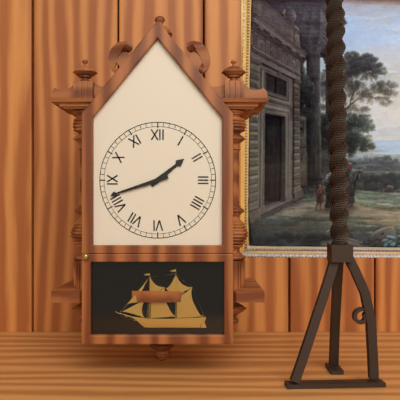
1:42
